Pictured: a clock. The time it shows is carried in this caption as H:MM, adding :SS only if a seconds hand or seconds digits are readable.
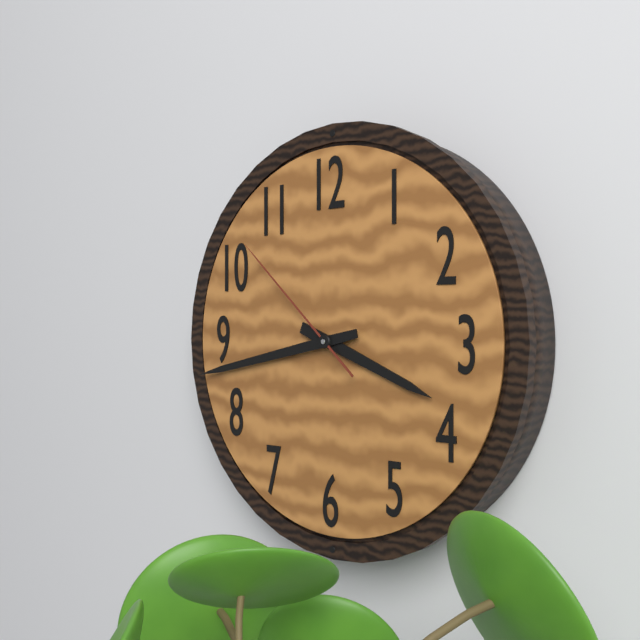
3:43:52
